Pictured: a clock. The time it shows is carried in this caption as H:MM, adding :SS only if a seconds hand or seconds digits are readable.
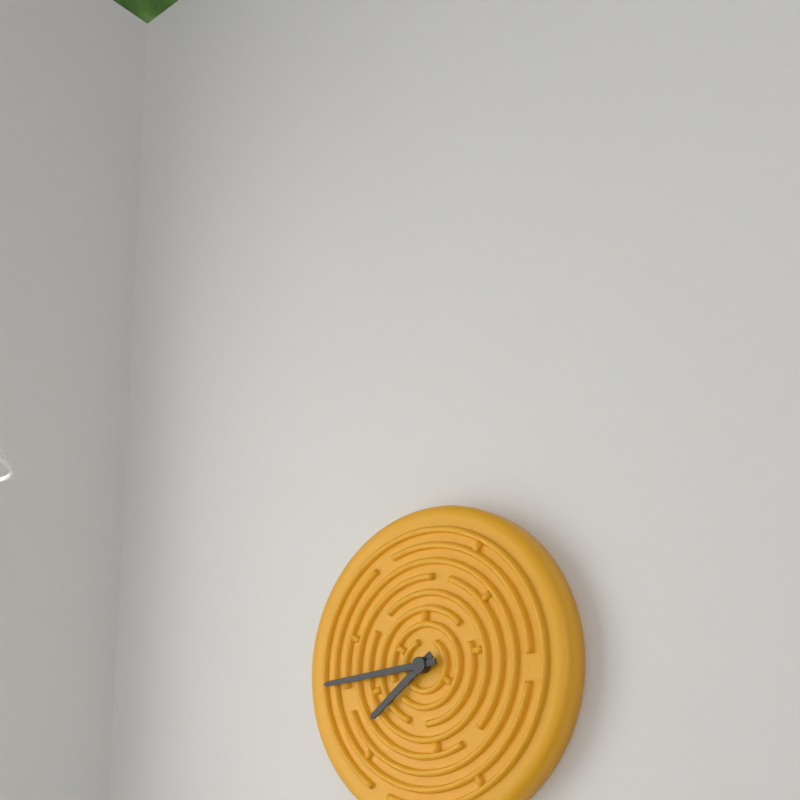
7:44
